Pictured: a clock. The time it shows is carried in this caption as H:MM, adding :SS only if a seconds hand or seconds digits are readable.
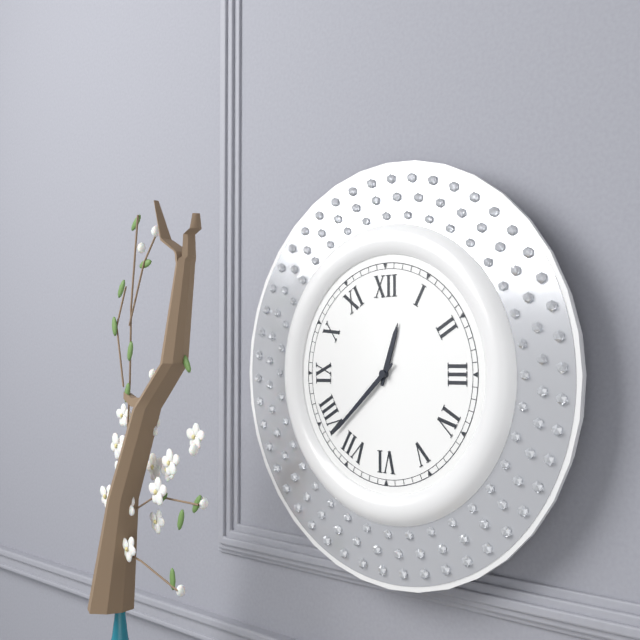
12:38
